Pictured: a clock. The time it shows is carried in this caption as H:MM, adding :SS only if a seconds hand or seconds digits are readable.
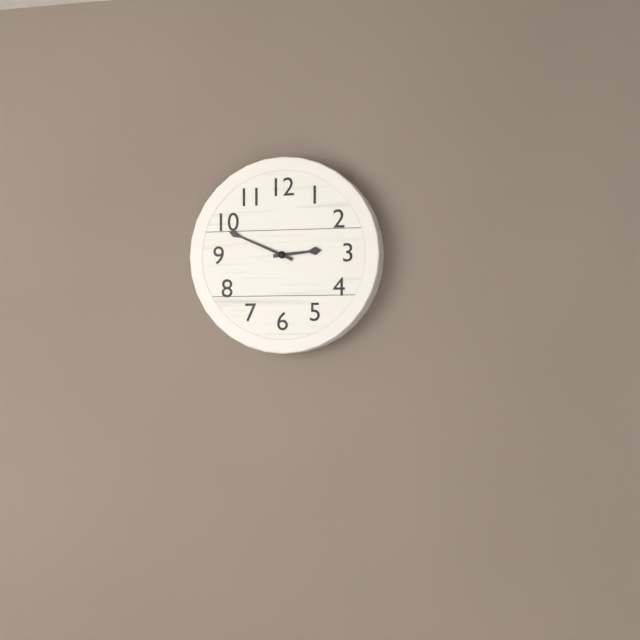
2:49
